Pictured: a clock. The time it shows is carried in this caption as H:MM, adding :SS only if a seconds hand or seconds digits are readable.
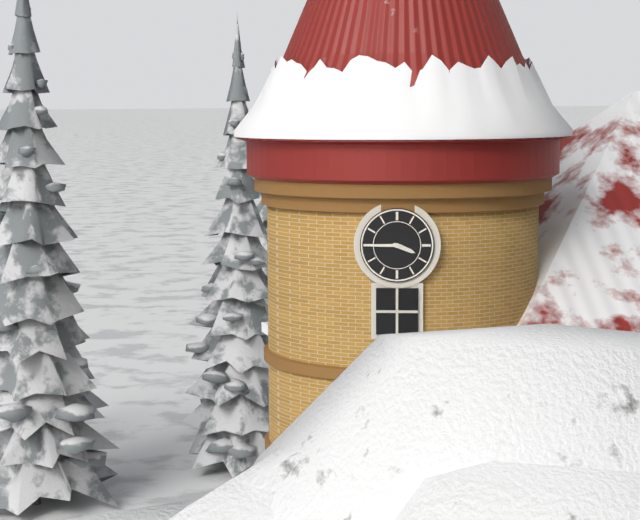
3:45
